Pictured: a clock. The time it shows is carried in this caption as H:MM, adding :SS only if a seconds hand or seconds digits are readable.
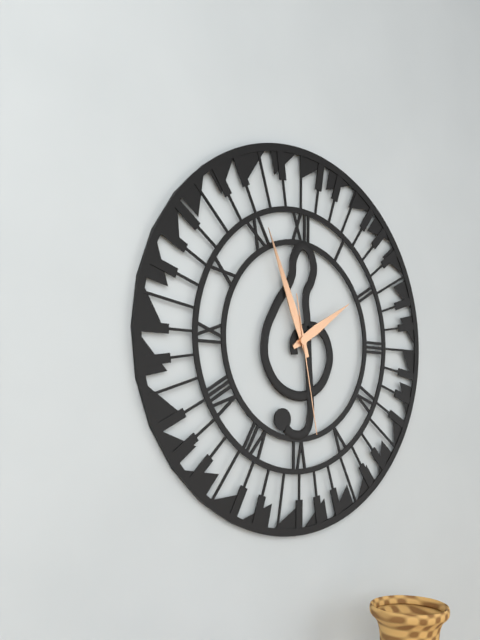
1:56:28
